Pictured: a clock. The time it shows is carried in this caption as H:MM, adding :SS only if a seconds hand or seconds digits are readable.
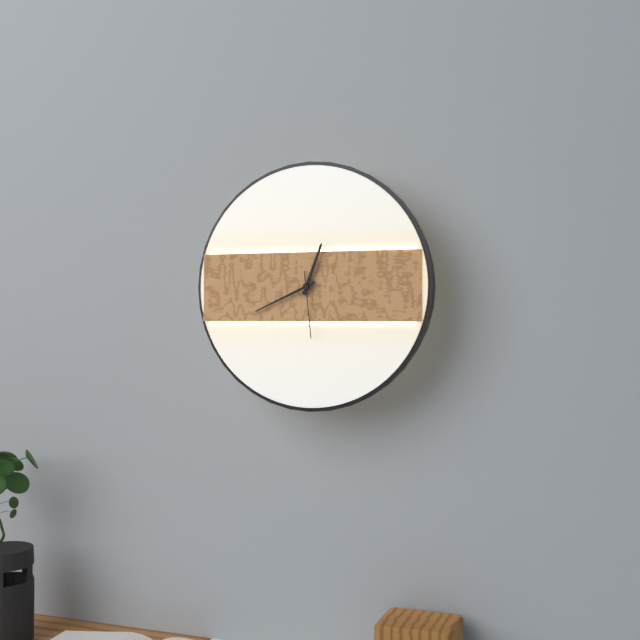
12:41:29
